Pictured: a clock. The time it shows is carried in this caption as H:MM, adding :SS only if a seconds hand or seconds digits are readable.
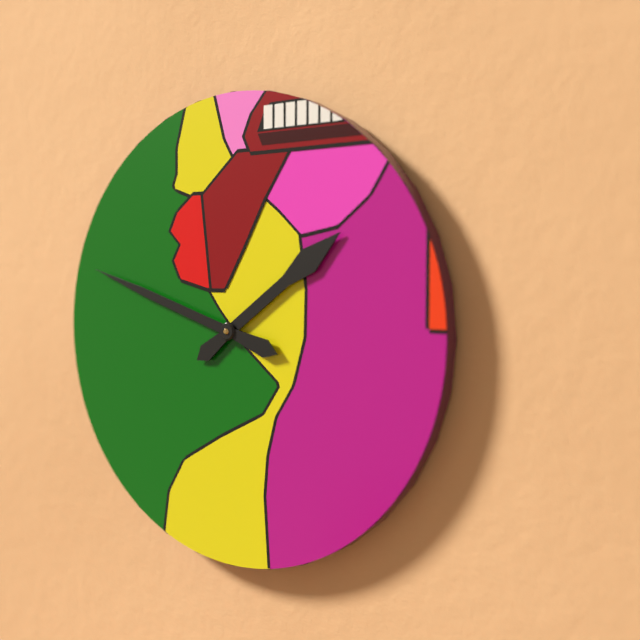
1:48
